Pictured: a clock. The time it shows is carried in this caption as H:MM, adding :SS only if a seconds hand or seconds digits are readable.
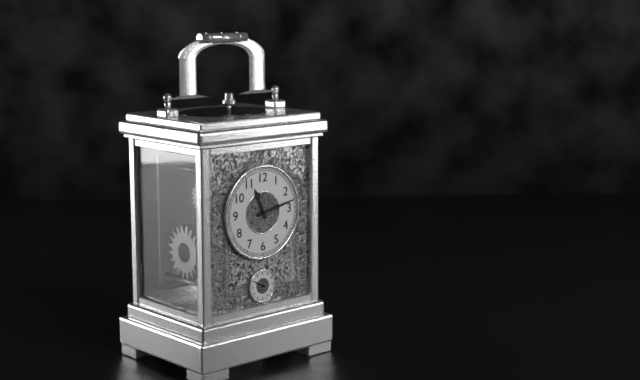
11:13
